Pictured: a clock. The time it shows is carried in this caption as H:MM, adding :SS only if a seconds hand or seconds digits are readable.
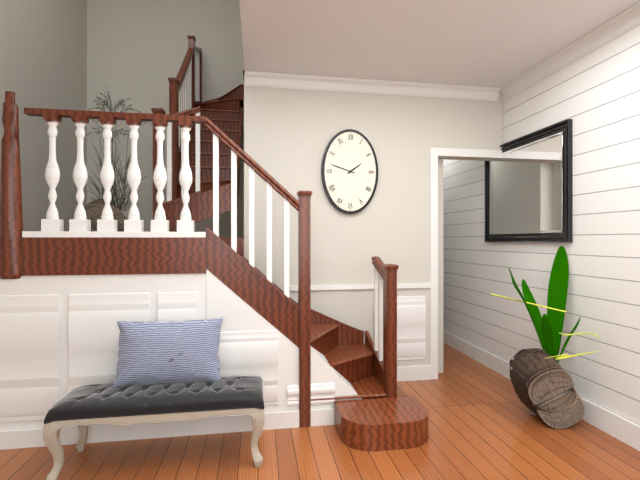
1:48
